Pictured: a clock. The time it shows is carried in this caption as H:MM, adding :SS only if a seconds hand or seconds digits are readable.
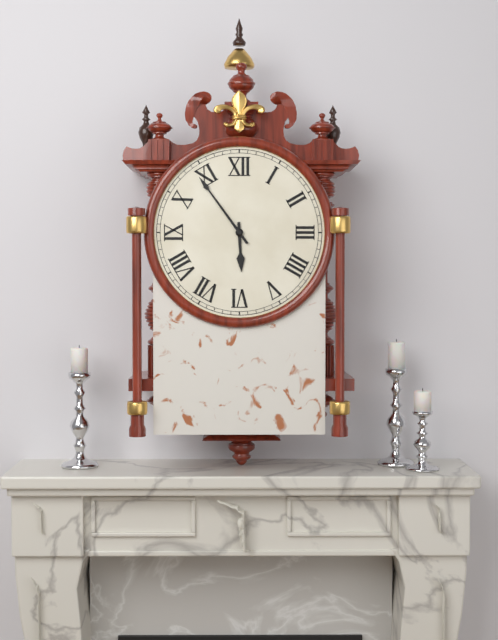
5:54
